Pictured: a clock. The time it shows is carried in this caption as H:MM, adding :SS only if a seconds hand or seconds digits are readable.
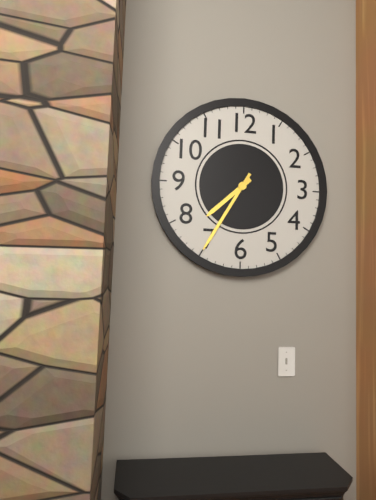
7:35
